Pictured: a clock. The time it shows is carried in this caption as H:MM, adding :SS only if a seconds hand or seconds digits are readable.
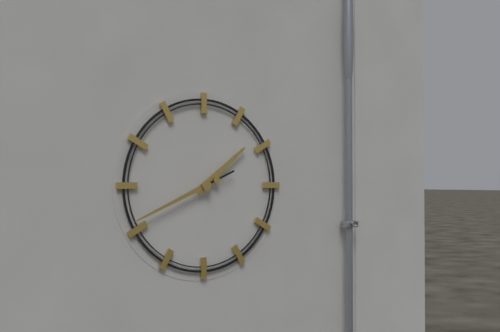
1:41
